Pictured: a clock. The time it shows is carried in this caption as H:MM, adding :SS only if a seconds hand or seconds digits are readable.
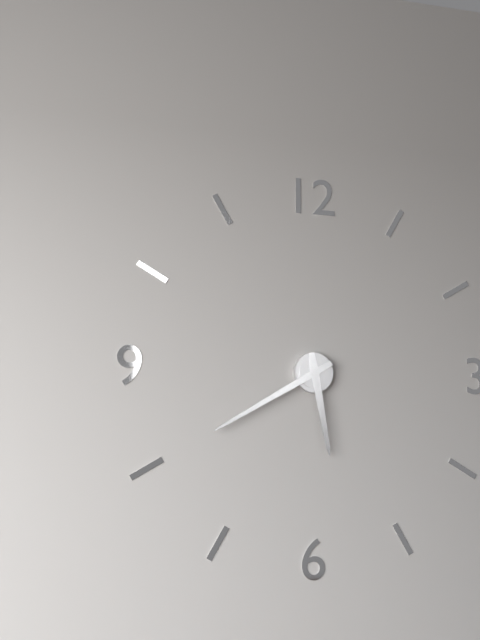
5:40
